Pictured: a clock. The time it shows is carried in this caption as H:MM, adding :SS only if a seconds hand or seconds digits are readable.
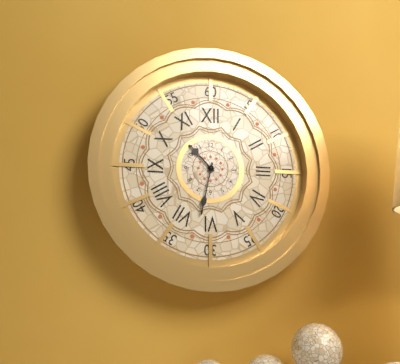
10:32
